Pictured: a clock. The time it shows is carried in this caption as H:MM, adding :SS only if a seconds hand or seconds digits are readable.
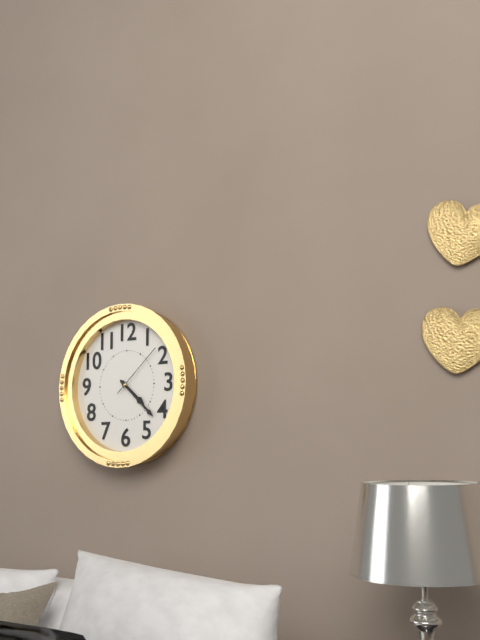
4:22:08
